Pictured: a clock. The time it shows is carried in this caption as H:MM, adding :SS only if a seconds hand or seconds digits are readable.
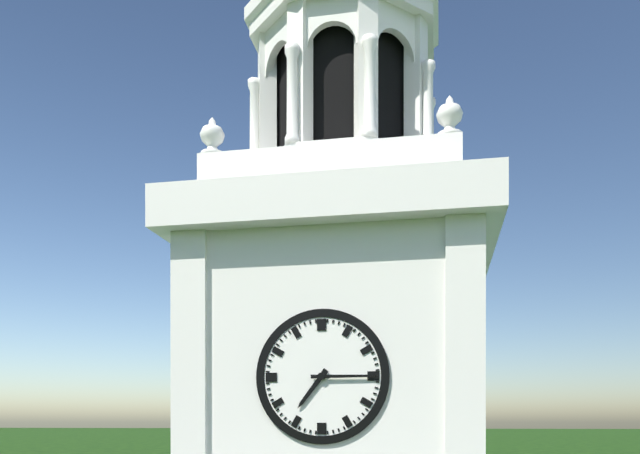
7:15
